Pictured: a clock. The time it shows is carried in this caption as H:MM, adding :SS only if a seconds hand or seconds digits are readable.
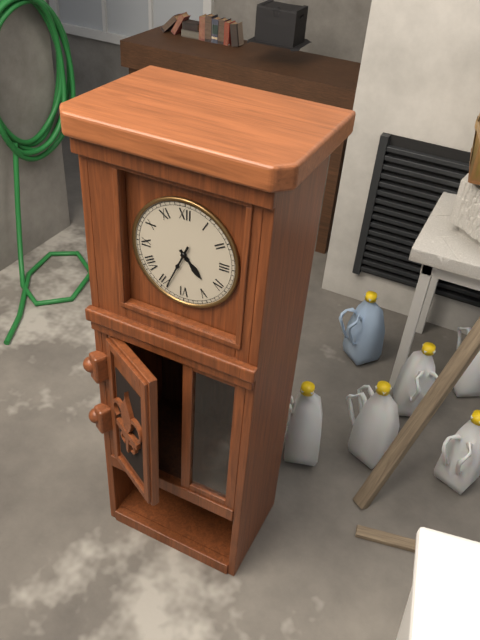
4:34
